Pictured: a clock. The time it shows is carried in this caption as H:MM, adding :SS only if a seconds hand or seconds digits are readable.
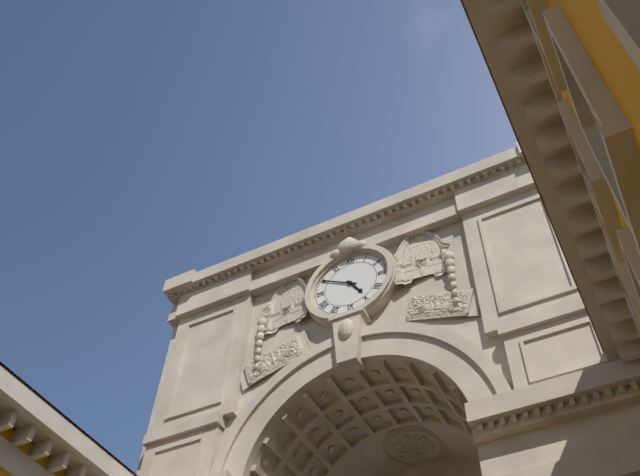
4:50
